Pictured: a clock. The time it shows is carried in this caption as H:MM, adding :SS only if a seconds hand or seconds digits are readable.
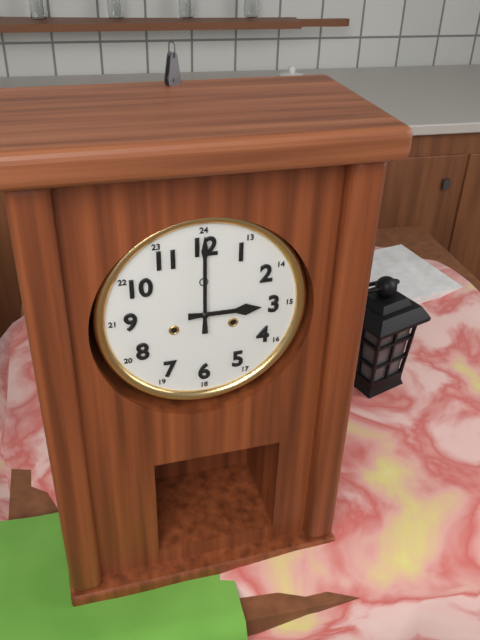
3:00
